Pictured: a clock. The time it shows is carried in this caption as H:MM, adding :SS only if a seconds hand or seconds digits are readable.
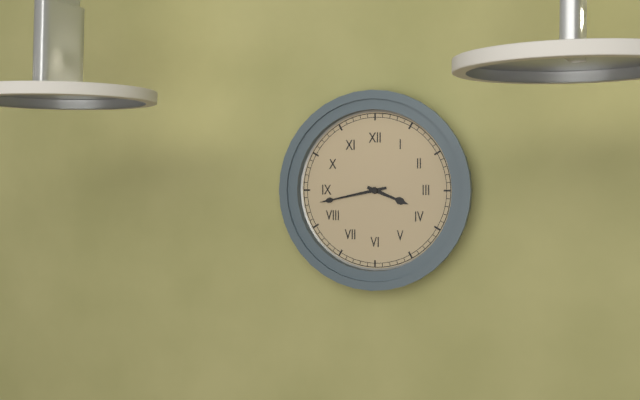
3:43
